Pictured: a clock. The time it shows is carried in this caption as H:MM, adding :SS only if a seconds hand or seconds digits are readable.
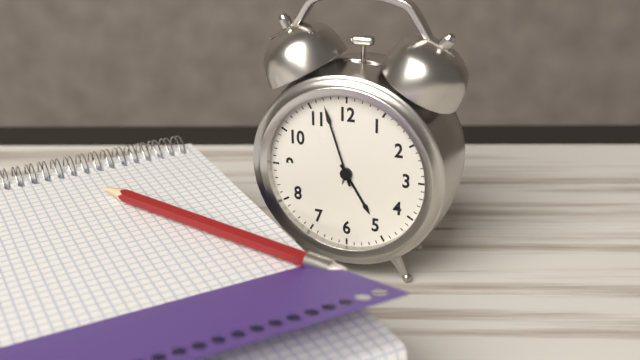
4:57
